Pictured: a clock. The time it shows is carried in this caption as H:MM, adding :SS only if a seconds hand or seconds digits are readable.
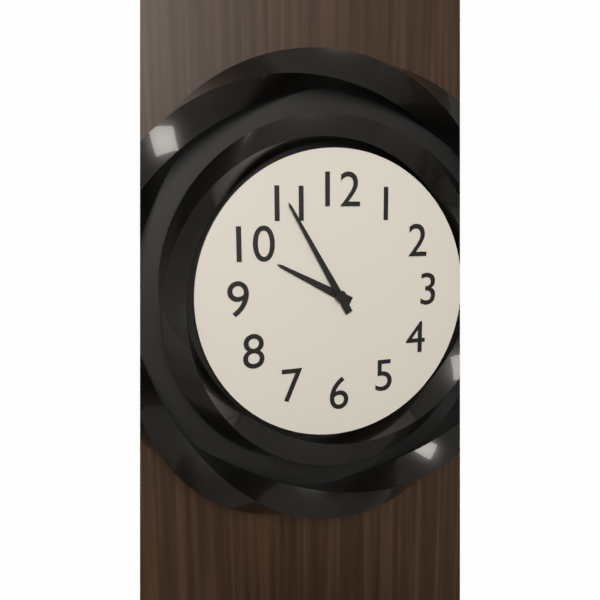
9:55
